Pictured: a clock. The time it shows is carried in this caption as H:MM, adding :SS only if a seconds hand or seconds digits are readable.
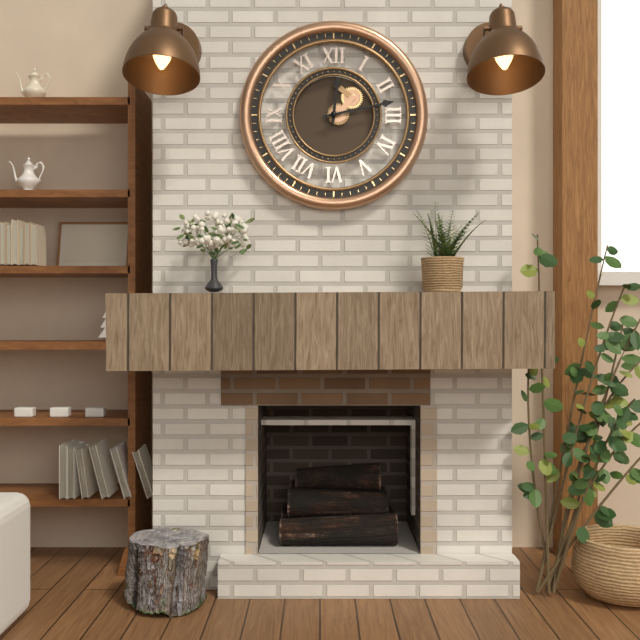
12:13
